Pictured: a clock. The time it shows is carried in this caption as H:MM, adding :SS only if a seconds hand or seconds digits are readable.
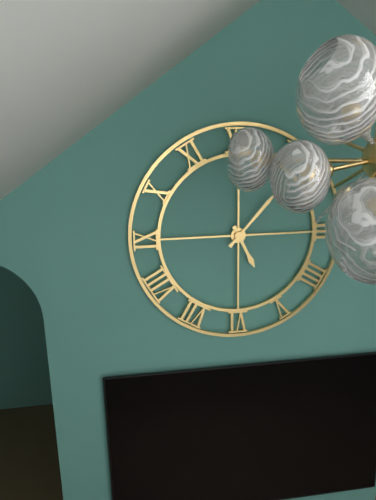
5:07
